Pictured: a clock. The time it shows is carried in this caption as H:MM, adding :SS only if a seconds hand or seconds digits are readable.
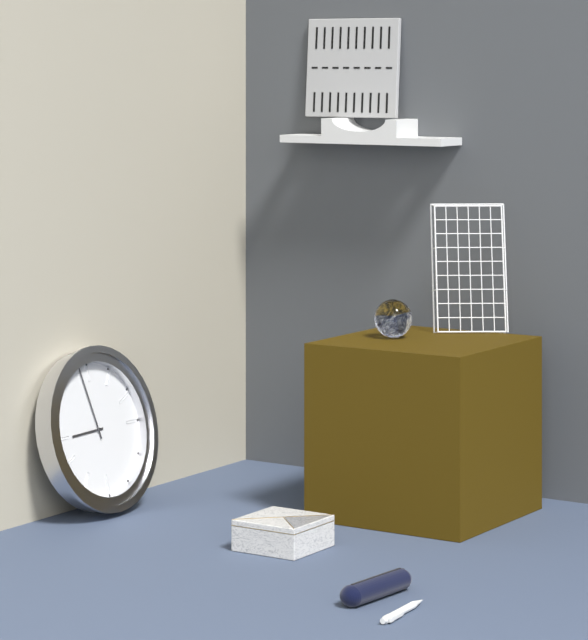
8:58
